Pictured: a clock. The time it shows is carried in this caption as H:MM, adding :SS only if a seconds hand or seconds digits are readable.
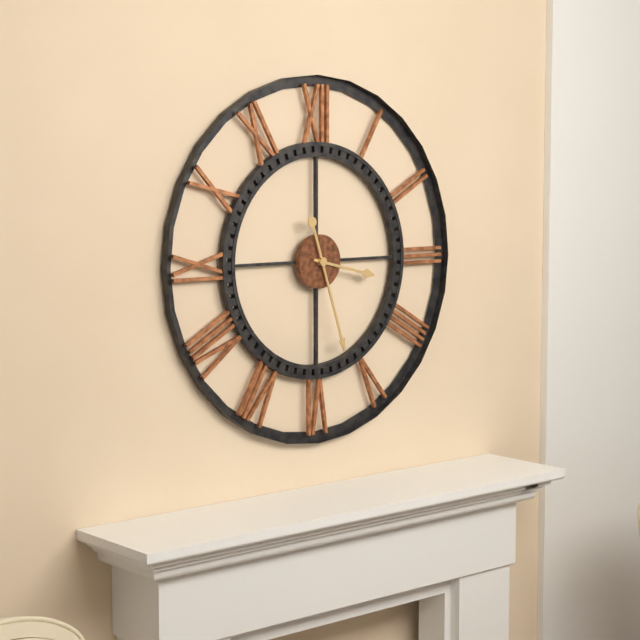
3:27
